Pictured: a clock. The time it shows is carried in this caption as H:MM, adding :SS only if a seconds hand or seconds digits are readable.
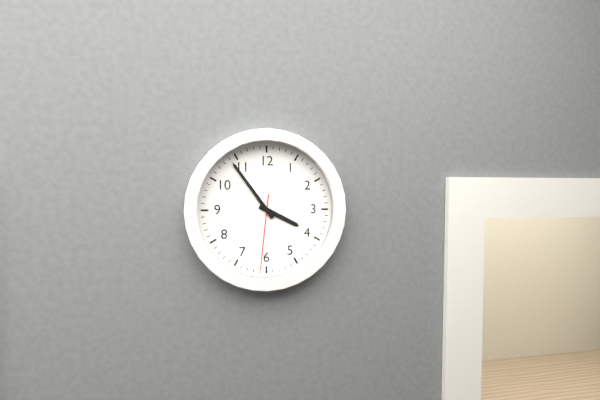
3:54:31
